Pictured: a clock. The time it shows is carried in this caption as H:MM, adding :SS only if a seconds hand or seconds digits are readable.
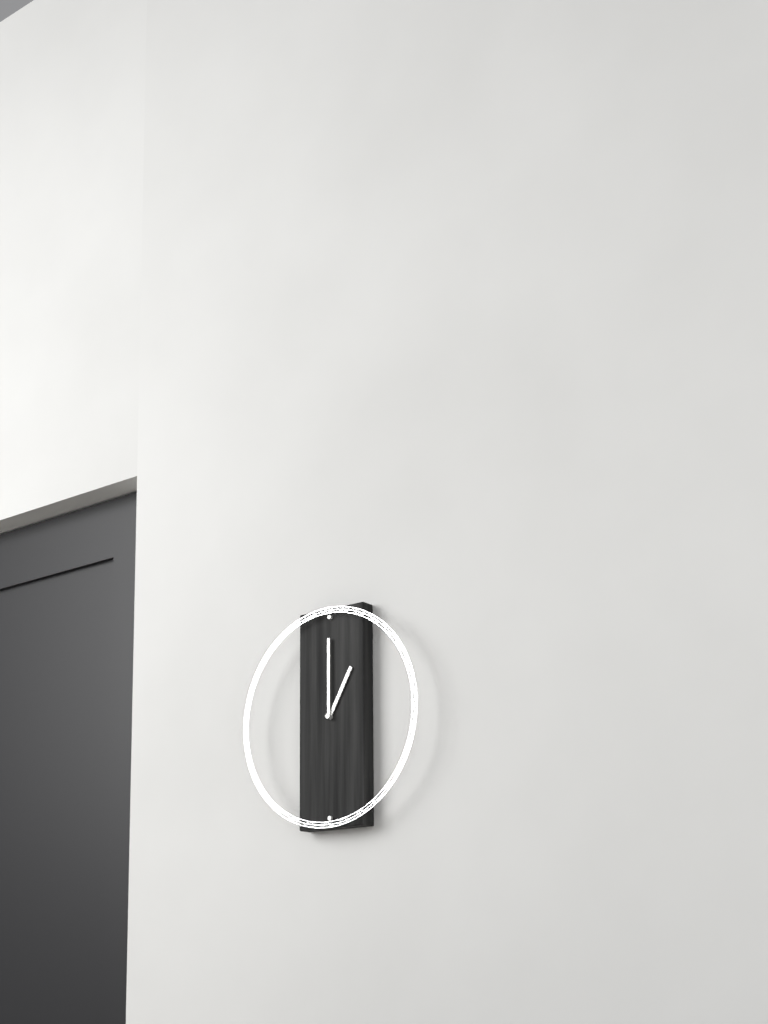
1:00
